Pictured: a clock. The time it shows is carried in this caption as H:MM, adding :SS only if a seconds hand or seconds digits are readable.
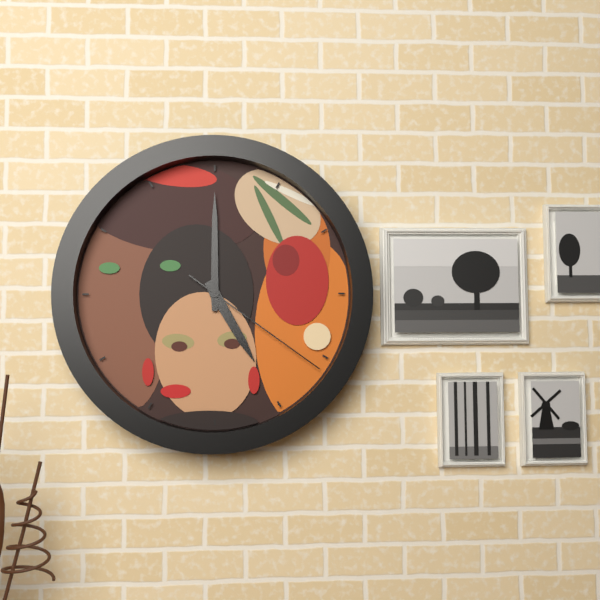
5:00:21
